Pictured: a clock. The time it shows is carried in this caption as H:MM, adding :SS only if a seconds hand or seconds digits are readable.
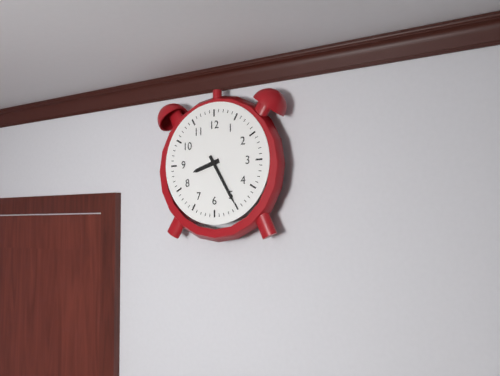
8:25
